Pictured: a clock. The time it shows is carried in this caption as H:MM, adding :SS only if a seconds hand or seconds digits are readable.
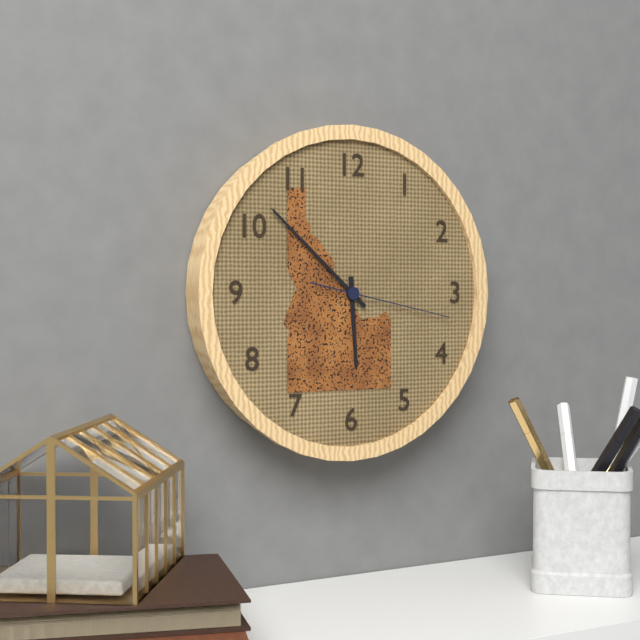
5:52:17
